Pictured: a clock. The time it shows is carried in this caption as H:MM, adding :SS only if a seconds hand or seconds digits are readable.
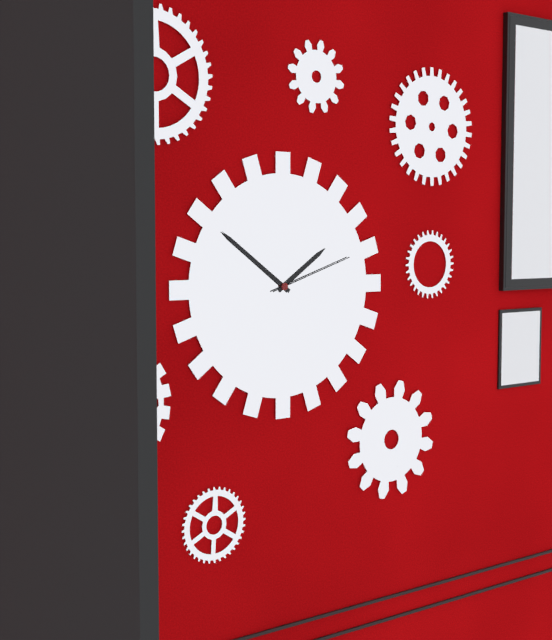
1:51:12
